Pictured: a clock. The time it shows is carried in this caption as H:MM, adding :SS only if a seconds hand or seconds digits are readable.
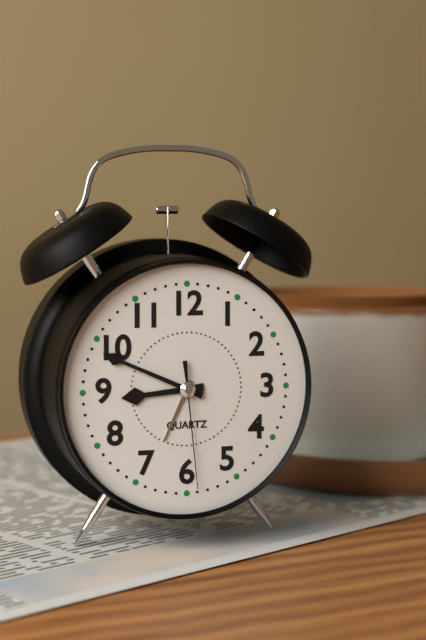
8:49:29
